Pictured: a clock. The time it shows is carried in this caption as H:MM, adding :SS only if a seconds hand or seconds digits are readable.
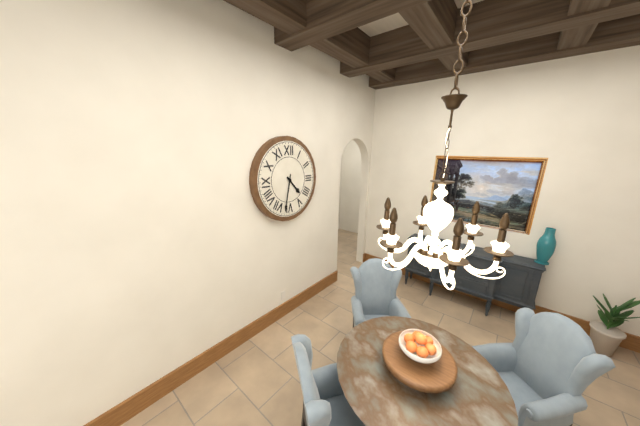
4:32
